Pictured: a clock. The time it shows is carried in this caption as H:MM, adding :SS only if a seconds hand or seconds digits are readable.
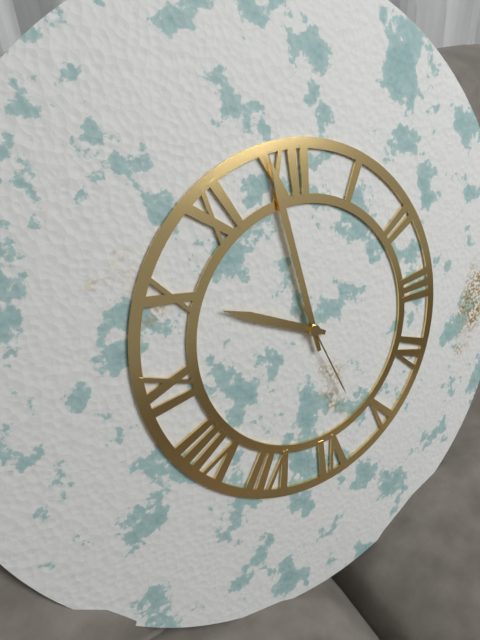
9:59:27
